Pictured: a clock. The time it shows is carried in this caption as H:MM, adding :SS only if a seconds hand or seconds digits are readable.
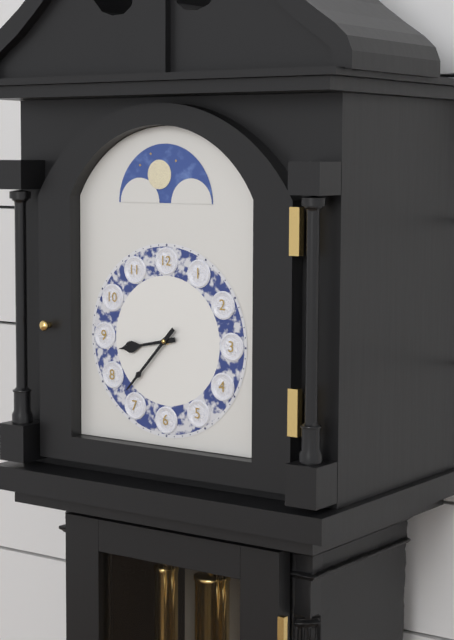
8:37
